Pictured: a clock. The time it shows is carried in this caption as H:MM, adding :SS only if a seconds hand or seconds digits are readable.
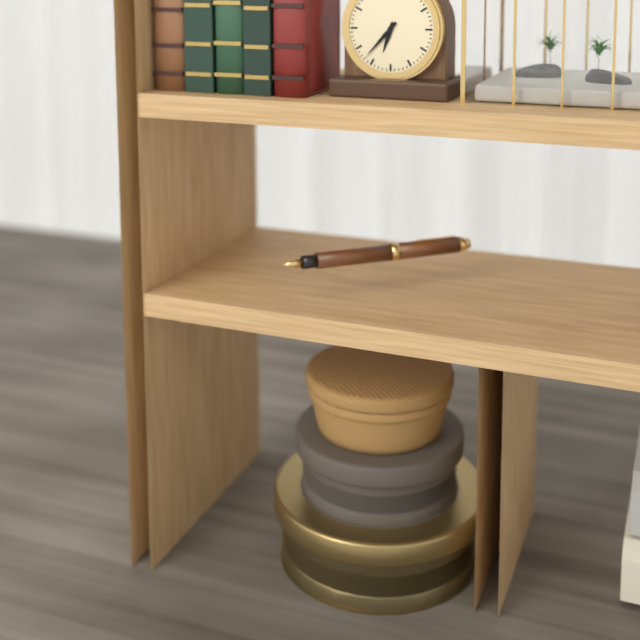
6:37
